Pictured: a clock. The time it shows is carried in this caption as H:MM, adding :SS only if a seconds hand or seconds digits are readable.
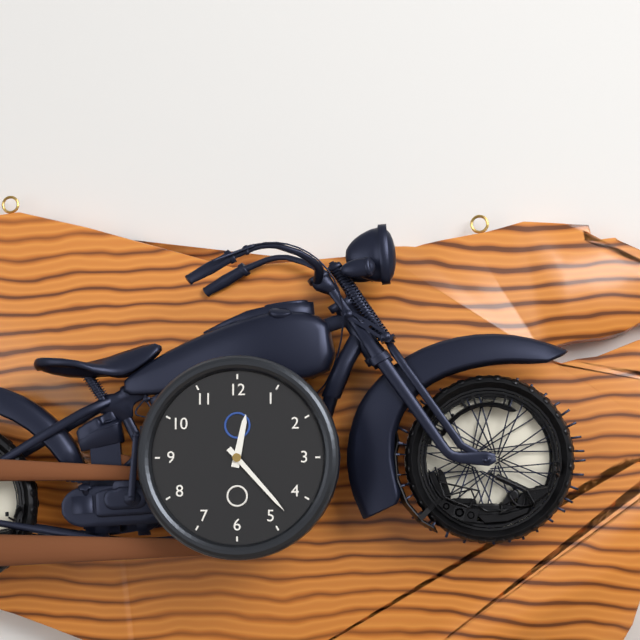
12:23
